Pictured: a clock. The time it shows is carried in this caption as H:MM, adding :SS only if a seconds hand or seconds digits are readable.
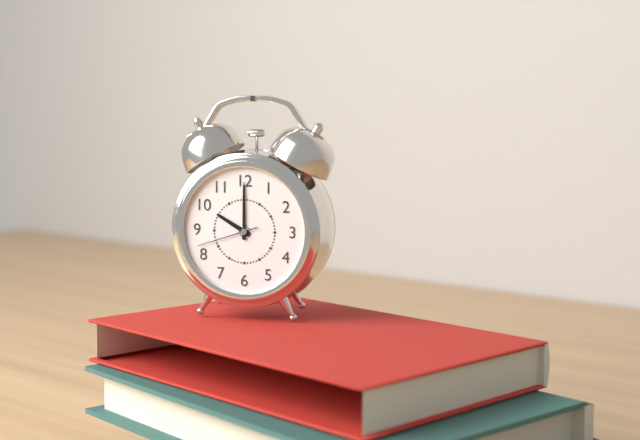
10:00:42
